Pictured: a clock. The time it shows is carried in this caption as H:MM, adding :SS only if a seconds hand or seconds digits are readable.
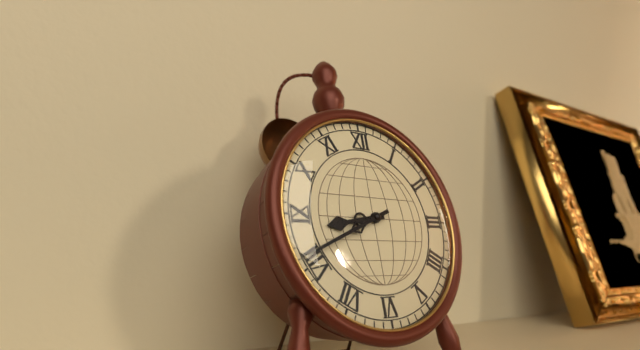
8:41
